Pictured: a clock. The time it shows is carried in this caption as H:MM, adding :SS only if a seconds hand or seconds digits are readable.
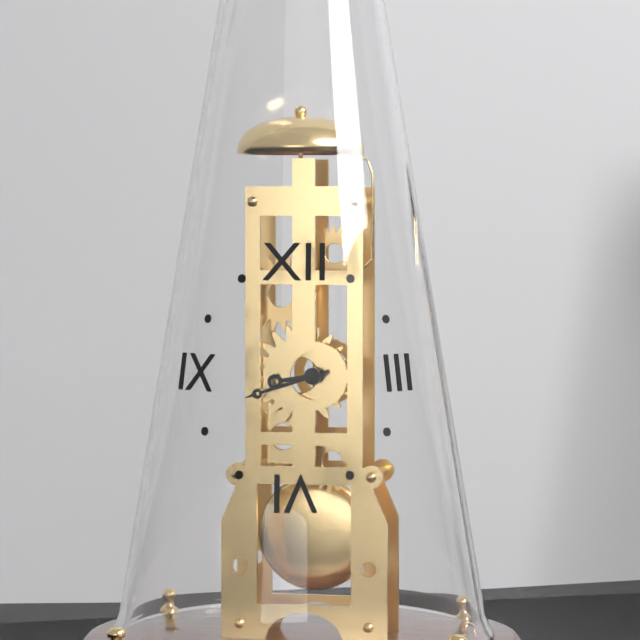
8:42
